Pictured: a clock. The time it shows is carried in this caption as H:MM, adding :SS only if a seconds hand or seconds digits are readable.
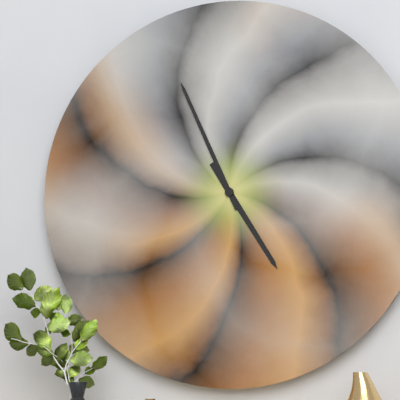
4:56
